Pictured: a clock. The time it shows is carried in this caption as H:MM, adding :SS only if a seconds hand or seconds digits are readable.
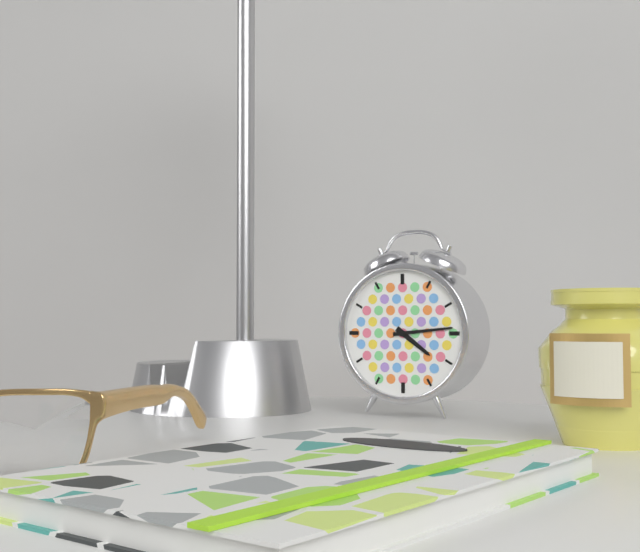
4:14
